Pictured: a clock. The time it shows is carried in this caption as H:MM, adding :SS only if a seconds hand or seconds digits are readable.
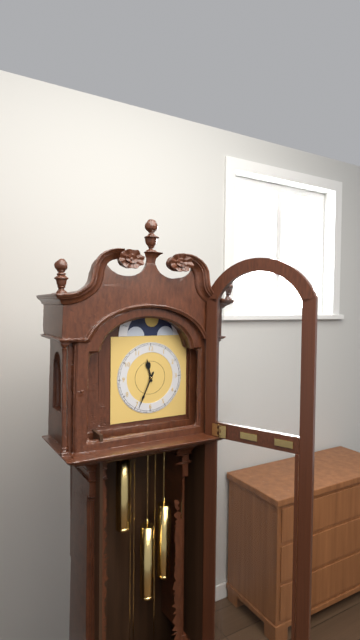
11:34
